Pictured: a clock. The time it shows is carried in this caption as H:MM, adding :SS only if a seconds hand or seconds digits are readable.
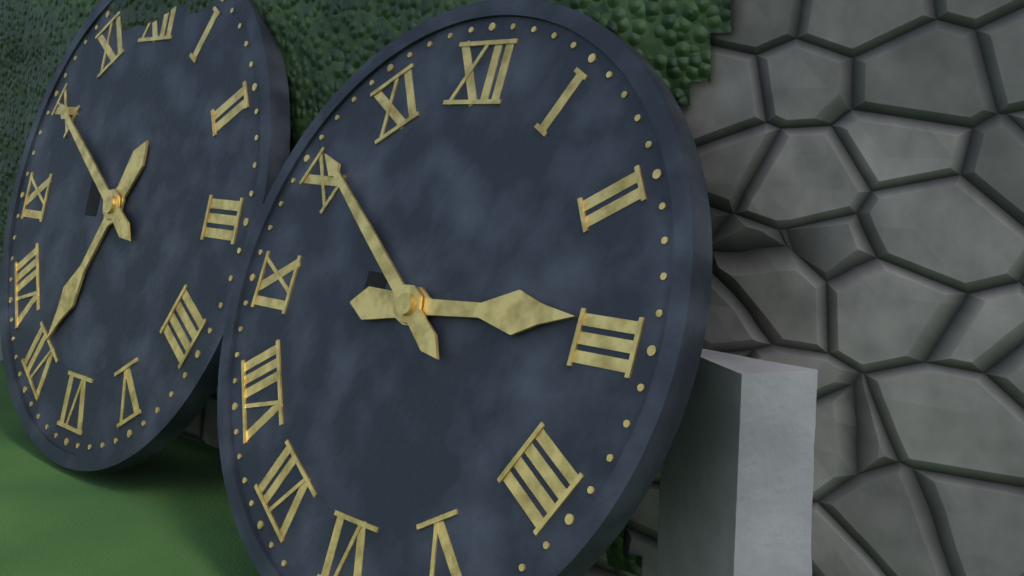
2:51
